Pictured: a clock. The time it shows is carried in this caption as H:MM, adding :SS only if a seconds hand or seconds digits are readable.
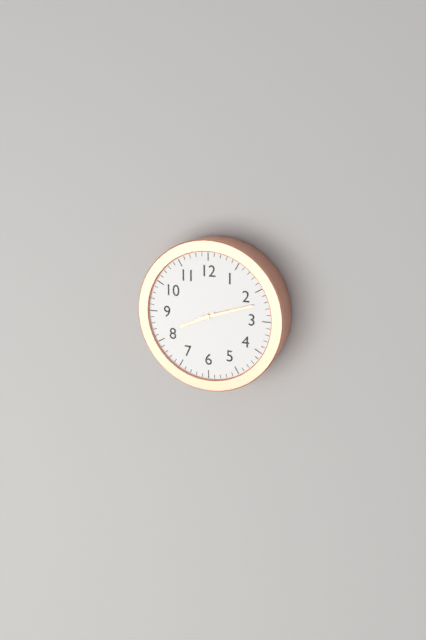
8:12
